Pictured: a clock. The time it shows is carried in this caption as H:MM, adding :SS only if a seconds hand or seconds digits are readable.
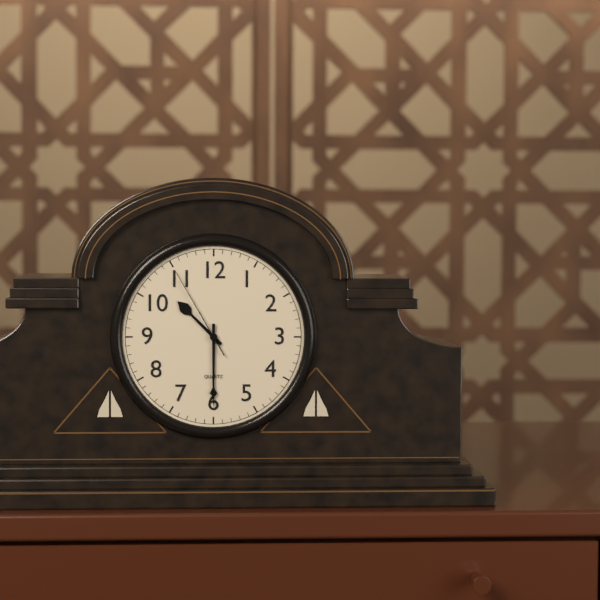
10:30:55
